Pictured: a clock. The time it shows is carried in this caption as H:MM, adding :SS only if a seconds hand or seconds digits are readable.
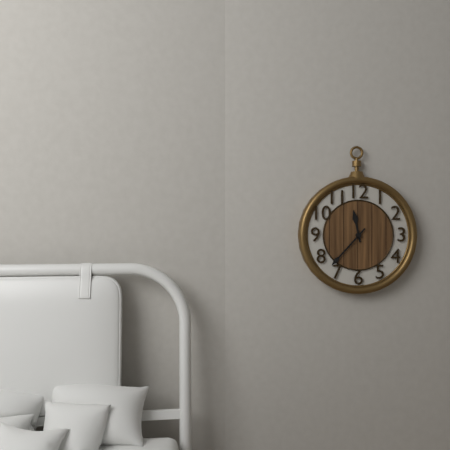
11:37
